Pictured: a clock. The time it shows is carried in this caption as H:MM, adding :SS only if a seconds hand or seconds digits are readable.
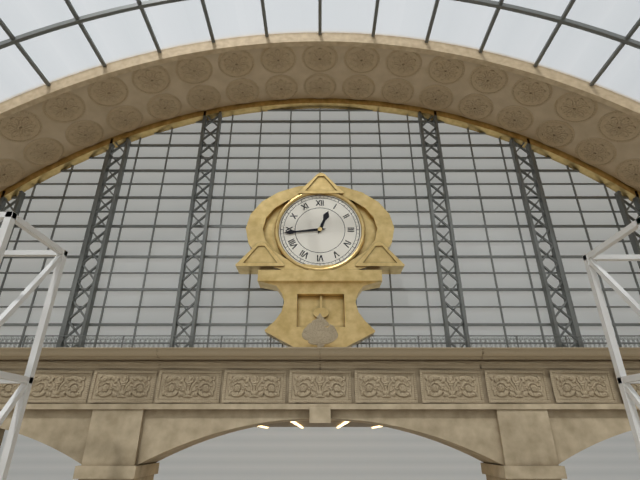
12:44
